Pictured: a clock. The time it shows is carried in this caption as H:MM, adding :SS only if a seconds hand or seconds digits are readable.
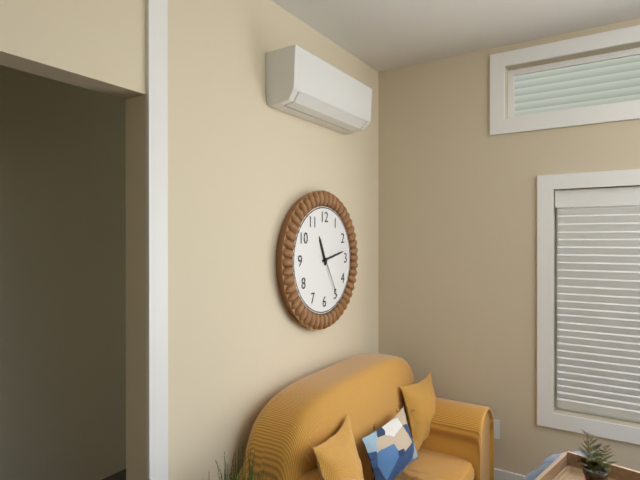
11:13
